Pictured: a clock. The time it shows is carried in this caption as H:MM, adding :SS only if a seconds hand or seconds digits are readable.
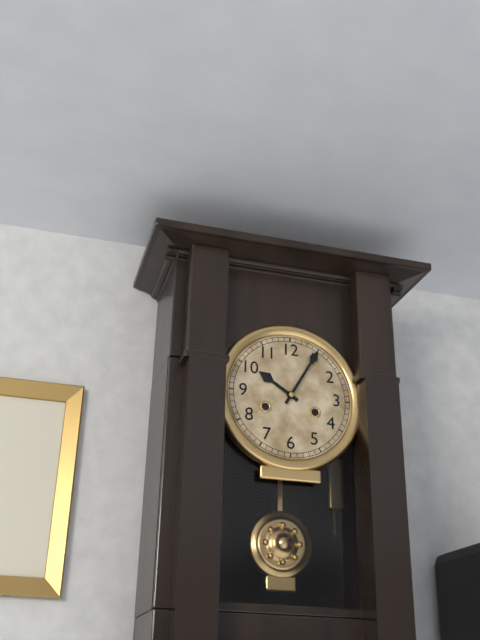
10:05
